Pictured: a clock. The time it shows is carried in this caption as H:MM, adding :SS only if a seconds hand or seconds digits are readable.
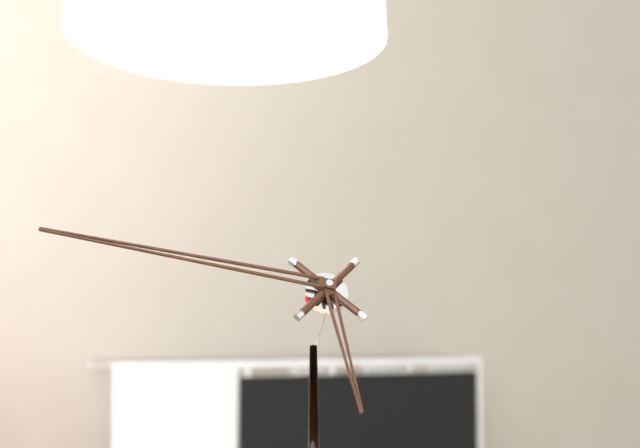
5:47
